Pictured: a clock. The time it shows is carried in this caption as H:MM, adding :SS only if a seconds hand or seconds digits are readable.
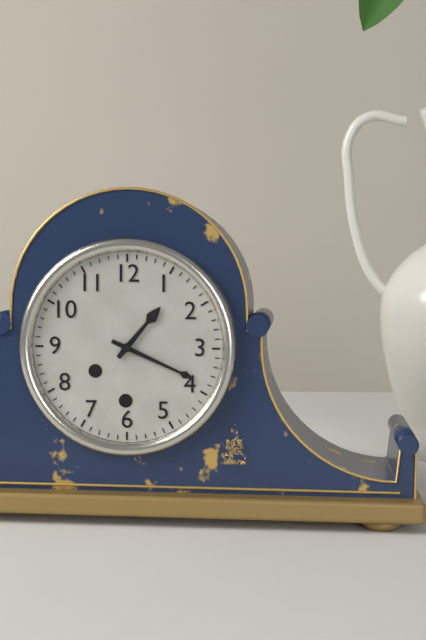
1:19
